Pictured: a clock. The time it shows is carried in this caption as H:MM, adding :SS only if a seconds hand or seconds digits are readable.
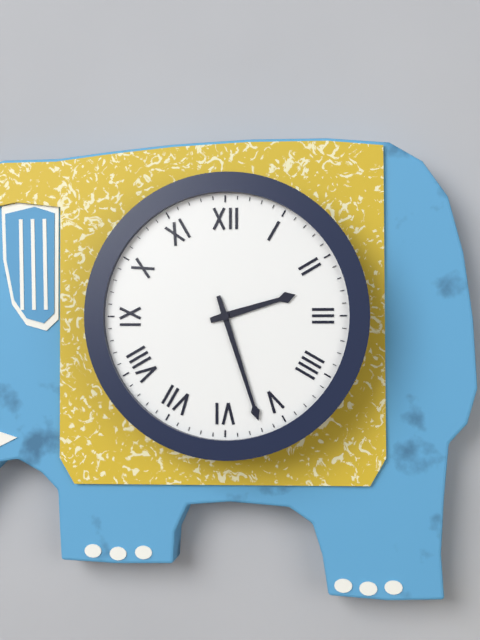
2:27
